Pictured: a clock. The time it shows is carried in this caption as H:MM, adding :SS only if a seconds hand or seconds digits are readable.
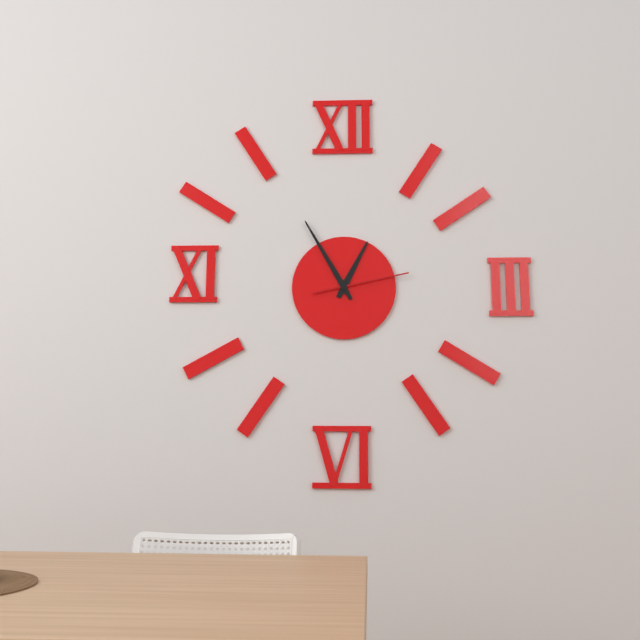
12:55:13
